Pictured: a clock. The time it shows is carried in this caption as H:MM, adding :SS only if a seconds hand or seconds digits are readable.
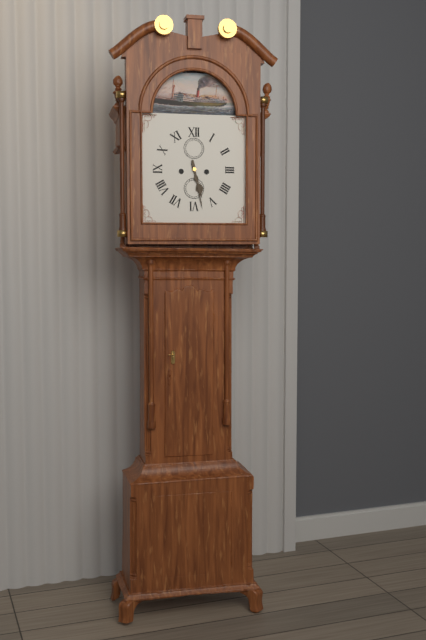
5:28
